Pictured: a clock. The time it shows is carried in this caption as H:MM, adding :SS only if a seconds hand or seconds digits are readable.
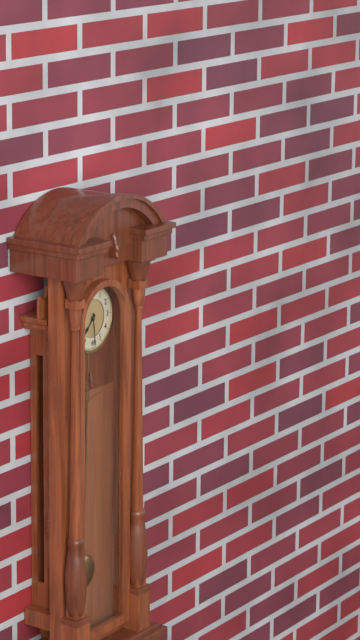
7:29
